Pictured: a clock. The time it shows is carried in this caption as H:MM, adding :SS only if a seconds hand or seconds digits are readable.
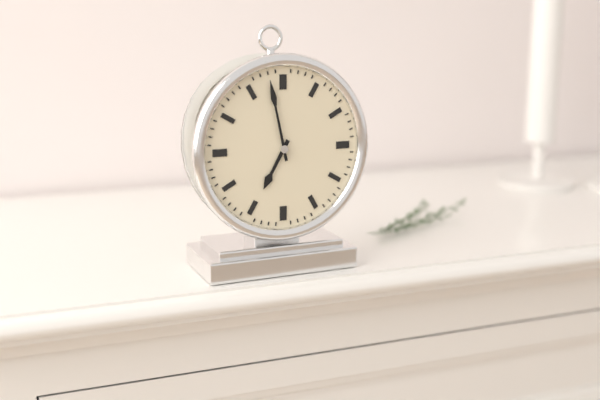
6:58
